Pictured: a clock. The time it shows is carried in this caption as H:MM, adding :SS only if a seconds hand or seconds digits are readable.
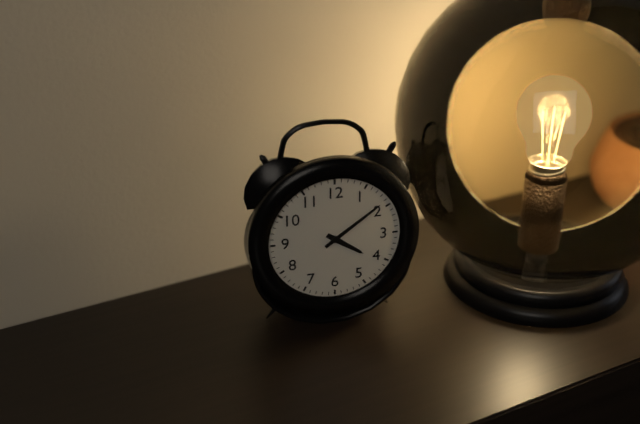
4:09
